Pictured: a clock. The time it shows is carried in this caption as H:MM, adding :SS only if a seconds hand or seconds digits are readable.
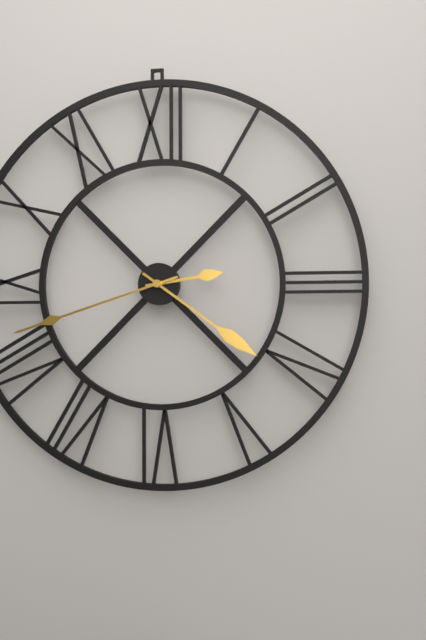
2:42:21
